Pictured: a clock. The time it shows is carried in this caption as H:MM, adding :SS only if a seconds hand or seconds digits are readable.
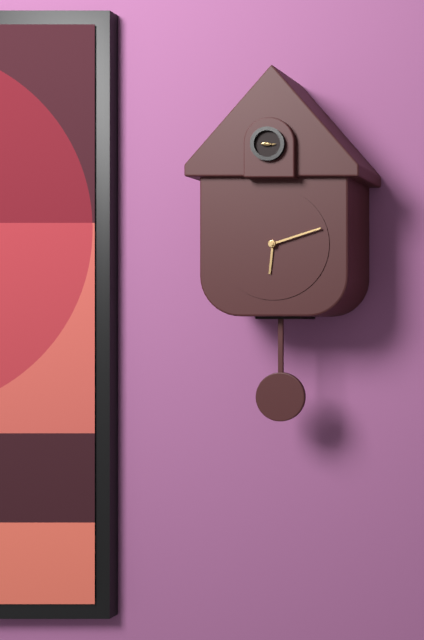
6:12
